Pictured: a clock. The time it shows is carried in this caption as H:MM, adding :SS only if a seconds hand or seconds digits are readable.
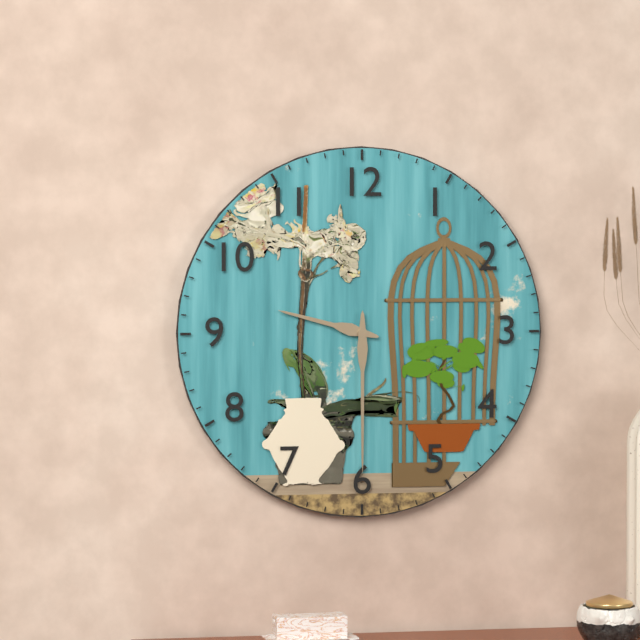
9:30
